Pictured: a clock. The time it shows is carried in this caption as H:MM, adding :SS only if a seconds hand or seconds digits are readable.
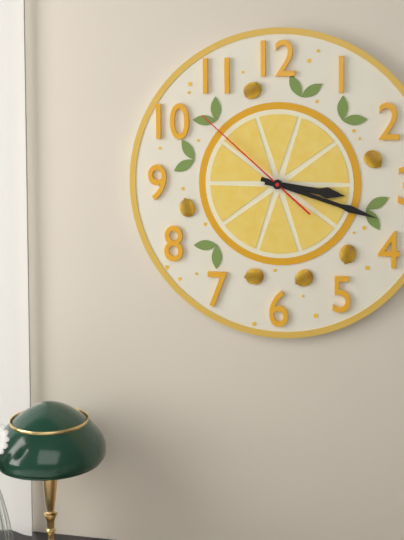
3:18:52
